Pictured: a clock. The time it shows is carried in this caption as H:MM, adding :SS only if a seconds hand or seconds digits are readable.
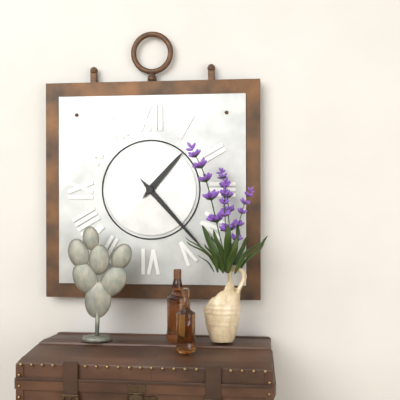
1:23
